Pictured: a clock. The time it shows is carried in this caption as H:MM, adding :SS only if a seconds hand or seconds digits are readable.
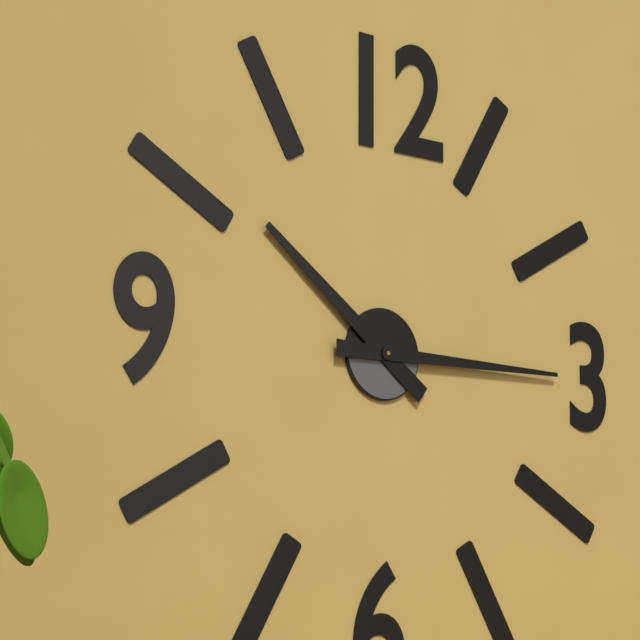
10:15
